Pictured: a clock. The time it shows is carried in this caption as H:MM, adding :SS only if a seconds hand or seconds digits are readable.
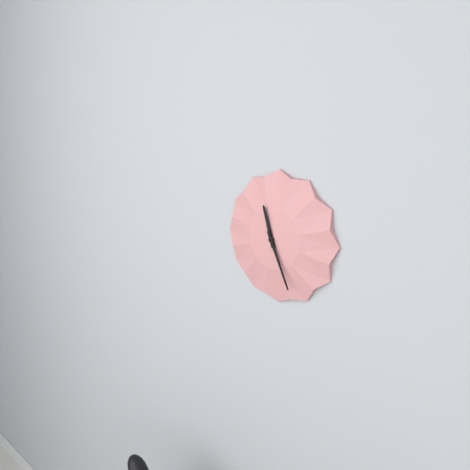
11:26
